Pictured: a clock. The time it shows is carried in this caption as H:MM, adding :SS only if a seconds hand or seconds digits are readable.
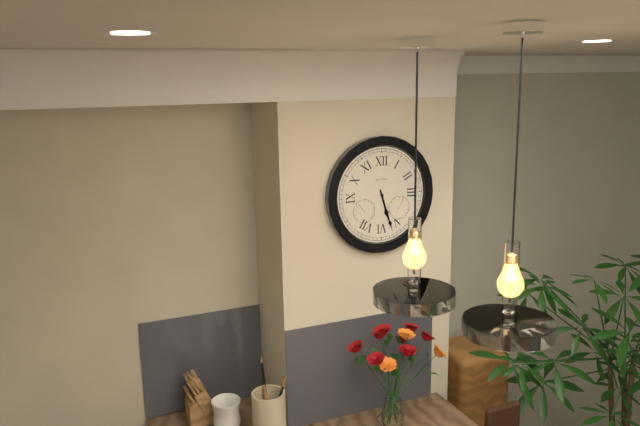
5:27
